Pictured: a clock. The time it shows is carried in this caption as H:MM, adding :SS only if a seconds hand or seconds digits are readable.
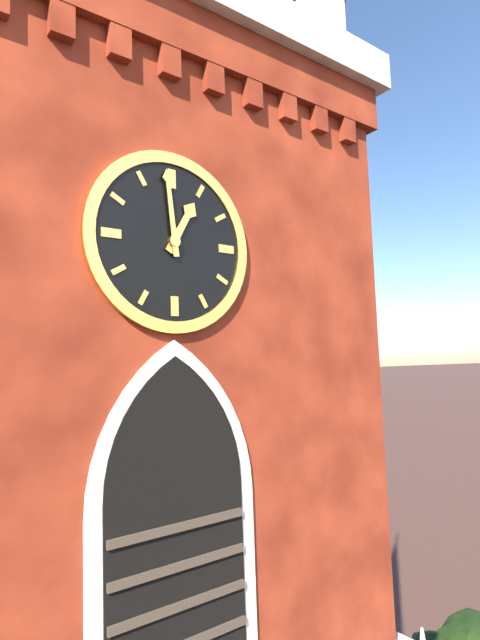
12:59
